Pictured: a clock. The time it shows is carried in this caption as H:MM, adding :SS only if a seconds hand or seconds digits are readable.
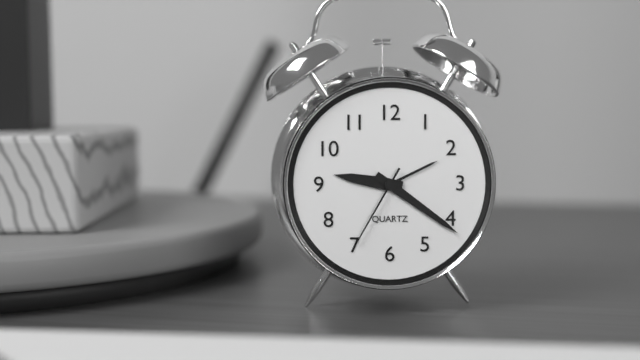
9:21:35
